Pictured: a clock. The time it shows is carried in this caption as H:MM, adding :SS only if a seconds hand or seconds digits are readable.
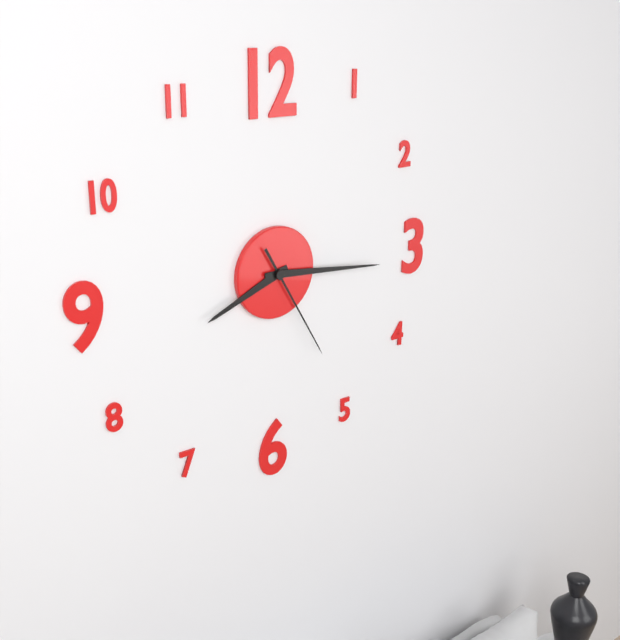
8:16:25
